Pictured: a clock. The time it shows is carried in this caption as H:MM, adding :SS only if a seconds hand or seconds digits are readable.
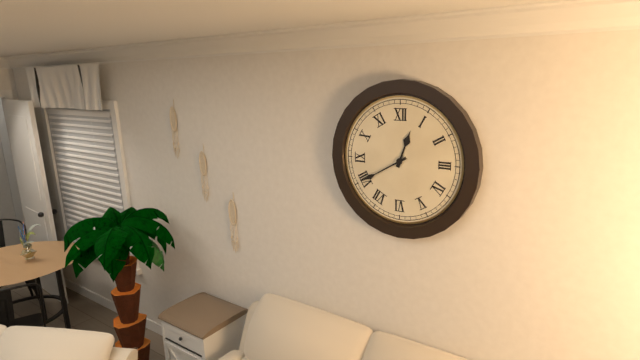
12:40
